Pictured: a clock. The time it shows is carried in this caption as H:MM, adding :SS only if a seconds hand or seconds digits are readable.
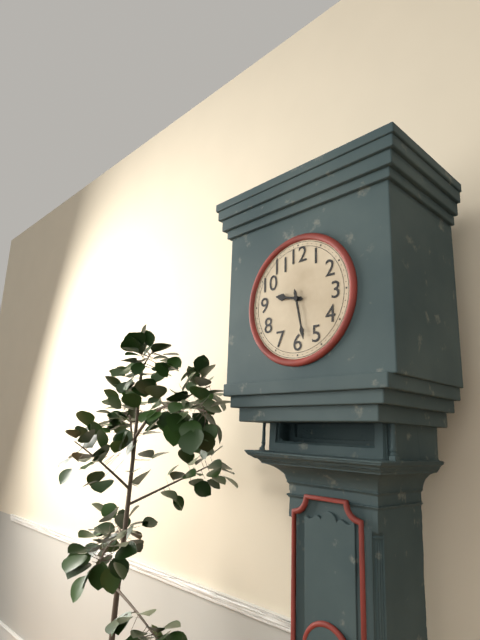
9:28
